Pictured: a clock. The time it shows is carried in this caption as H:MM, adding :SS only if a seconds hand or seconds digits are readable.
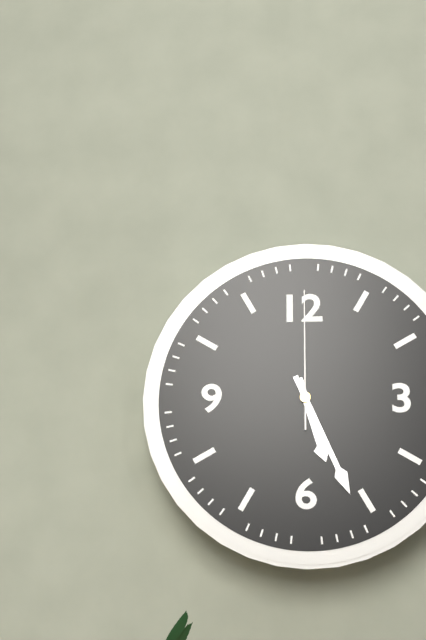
5:26:00
